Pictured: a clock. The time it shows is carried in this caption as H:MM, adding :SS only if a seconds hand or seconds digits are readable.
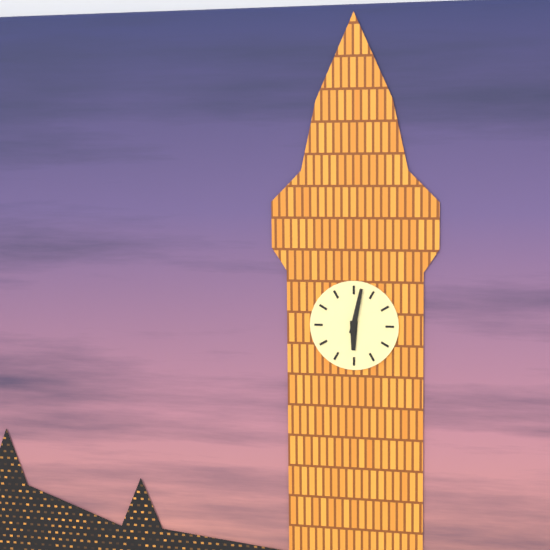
6:02
